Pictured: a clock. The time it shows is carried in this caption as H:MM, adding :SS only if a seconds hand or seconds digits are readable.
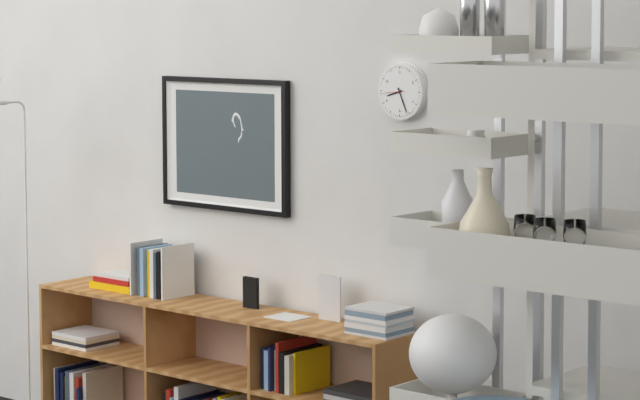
8:26
